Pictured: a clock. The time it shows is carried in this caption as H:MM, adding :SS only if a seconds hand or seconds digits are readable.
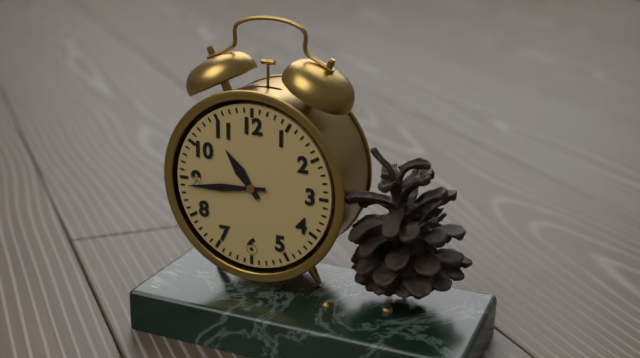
10:44
